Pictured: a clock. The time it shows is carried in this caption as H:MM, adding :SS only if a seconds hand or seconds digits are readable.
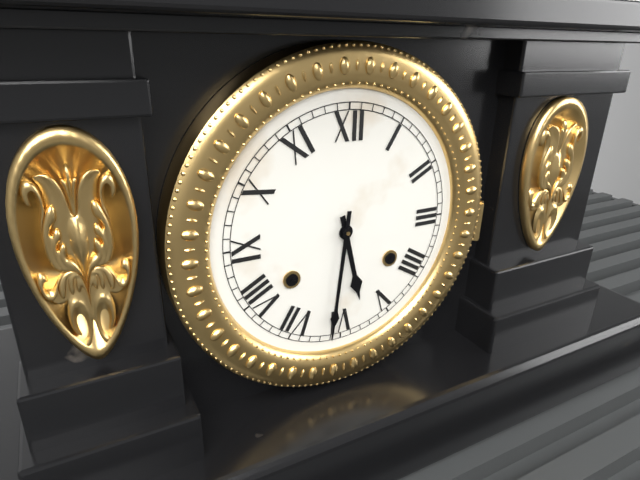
5:31
